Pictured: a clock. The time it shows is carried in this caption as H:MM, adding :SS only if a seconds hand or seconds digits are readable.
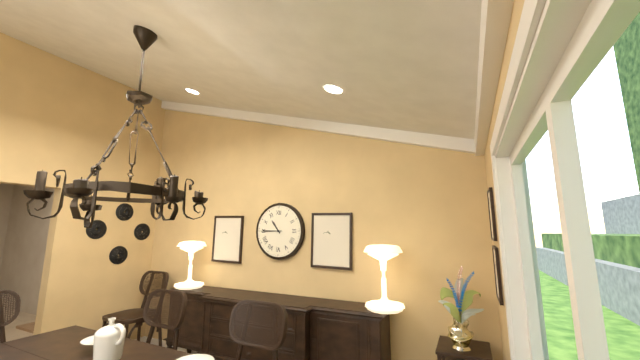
10:45
